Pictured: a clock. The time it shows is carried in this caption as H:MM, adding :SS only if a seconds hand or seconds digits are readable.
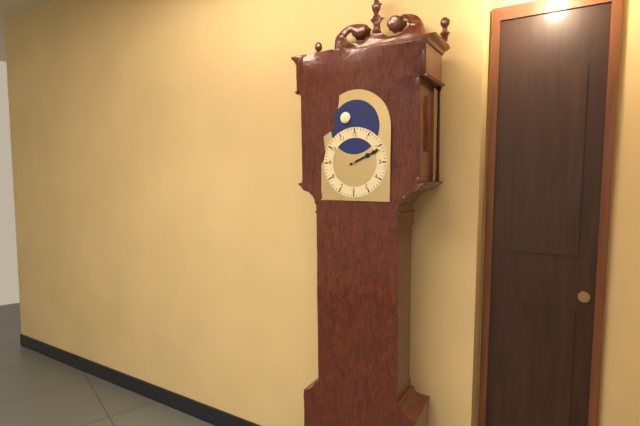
2:11
